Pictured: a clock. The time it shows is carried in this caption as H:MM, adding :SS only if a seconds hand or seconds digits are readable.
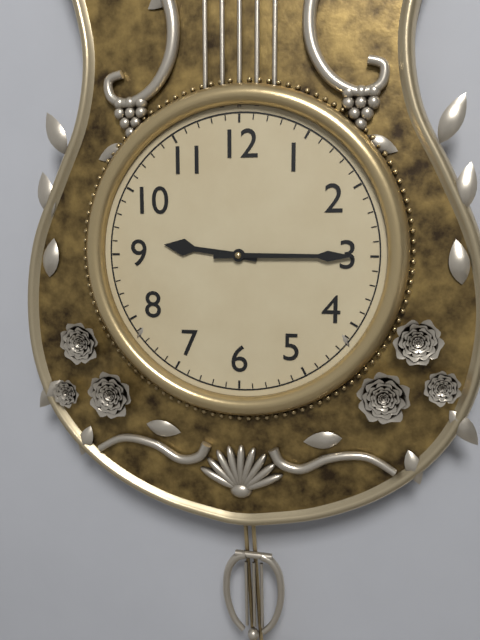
9:15
